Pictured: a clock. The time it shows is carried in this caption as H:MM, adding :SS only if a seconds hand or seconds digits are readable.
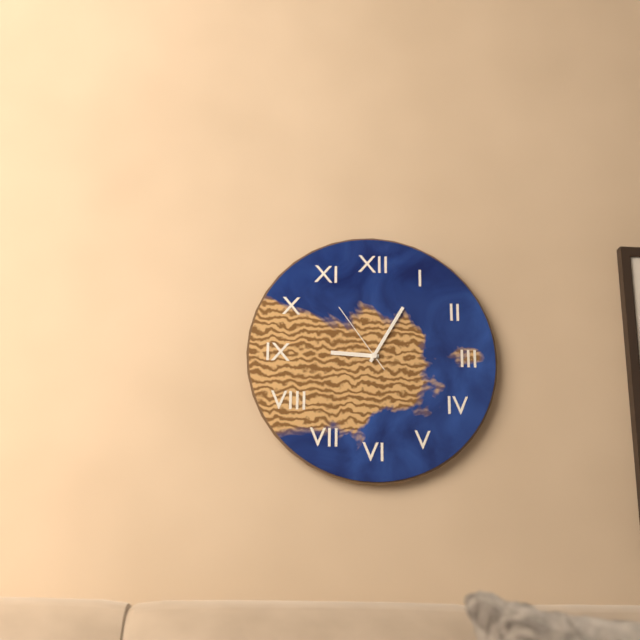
9:05:54
